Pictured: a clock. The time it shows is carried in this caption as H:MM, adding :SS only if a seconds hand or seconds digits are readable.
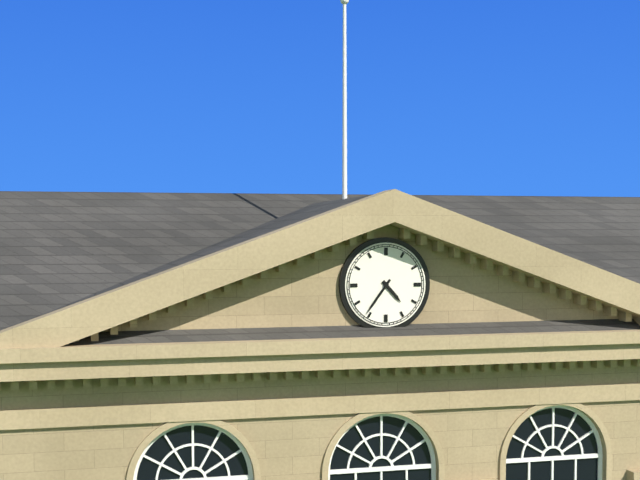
4:36
